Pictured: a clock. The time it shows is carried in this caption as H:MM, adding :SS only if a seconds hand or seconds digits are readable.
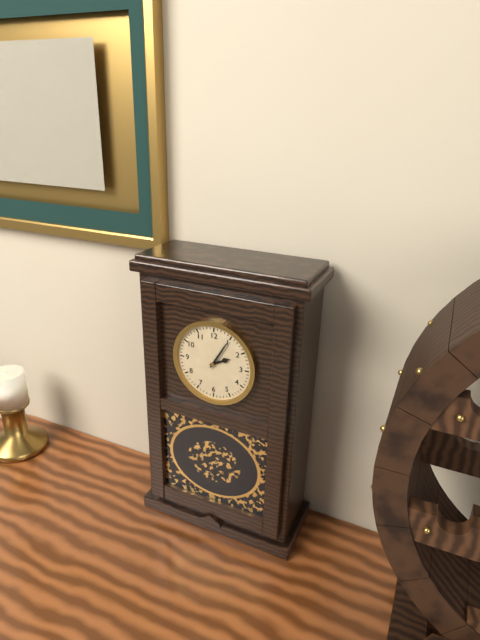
2:05
